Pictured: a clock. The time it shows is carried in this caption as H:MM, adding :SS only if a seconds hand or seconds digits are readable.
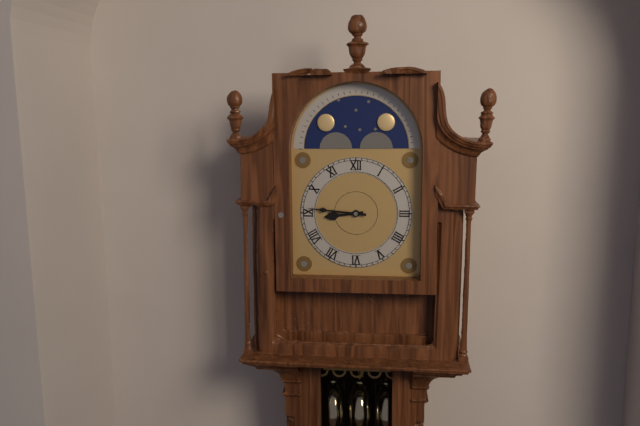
8:46
